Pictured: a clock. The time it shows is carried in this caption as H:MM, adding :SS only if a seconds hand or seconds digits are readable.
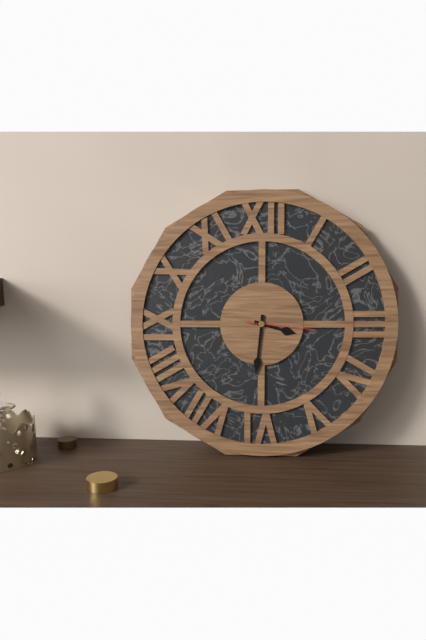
3:31:16
